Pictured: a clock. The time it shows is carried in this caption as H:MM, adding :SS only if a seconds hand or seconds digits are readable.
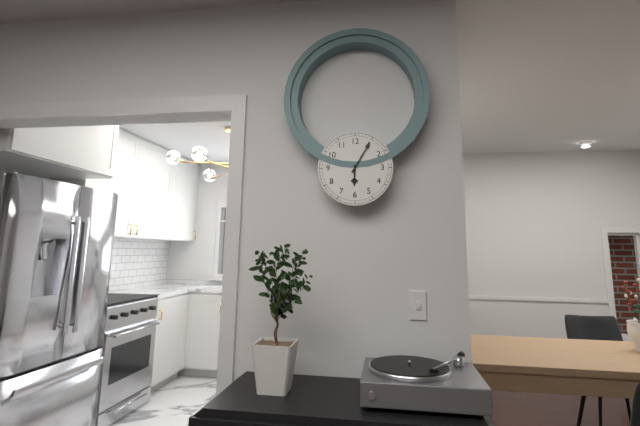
6:05
